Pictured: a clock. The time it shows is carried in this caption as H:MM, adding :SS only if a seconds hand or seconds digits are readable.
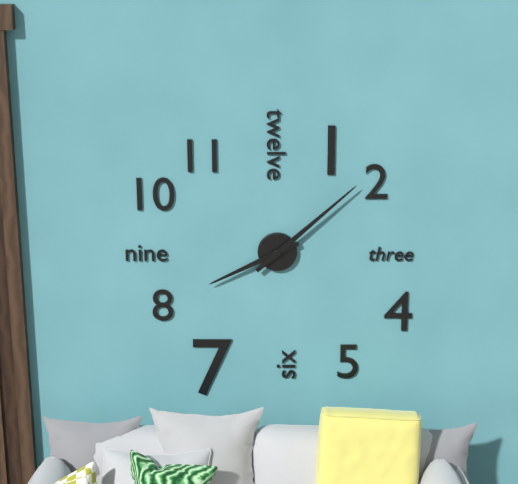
8:08
